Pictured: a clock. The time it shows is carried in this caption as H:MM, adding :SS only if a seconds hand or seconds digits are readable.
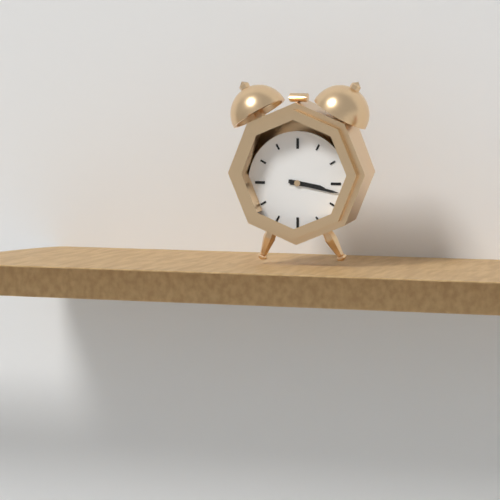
3:17
